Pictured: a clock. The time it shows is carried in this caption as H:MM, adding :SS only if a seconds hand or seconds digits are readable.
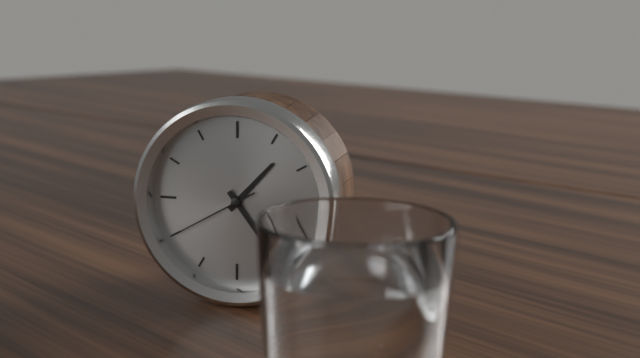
1:24:40
